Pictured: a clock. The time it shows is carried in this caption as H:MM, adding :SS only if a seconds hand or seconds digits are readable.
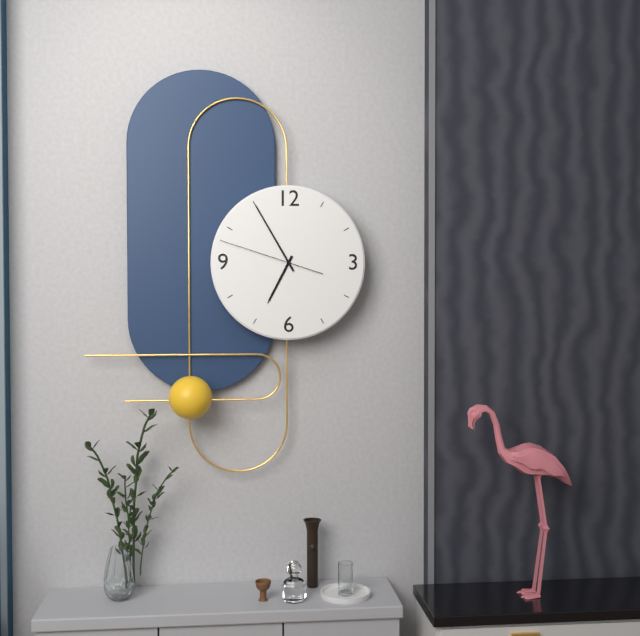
6:55:48
